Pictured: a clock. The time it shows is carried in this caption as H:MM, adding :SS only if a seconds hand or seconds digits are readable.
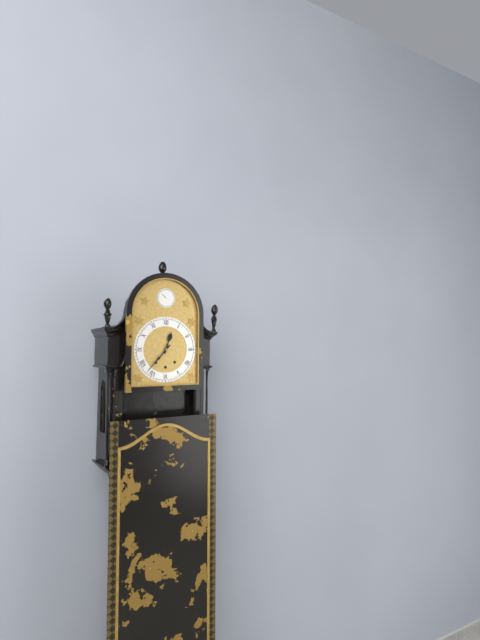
12:37
